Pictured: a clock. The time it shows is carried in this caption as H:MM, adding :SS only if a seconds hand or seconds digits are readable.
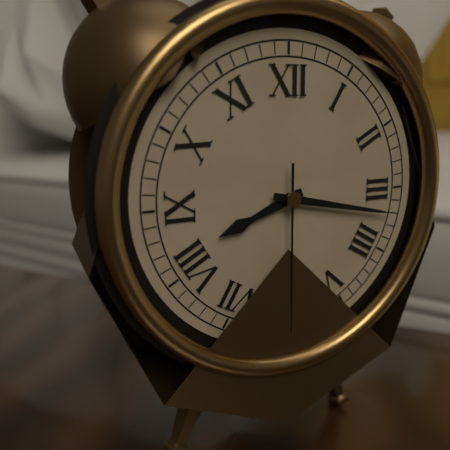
8:17:30
